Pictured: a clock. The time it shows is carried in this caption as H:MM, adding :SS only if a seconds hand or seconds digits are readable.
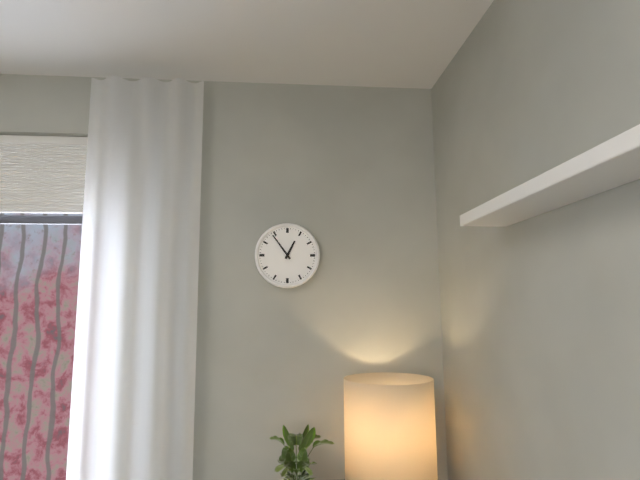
12:54
